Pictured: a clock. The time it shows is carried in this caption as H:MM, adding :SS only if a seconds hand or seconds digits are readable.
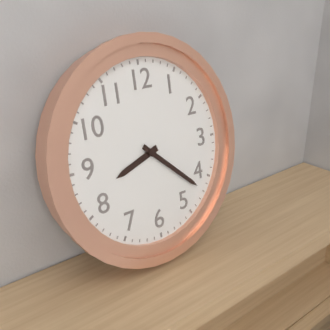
8:22
